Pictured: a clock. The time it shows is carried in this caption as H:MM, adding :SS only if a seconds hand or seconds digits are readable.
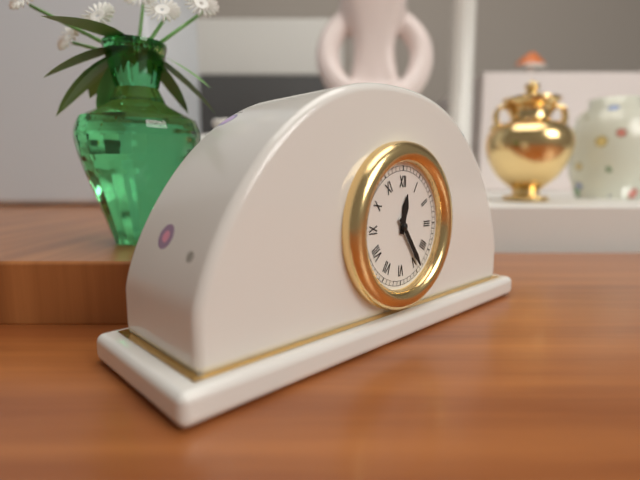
12:24
